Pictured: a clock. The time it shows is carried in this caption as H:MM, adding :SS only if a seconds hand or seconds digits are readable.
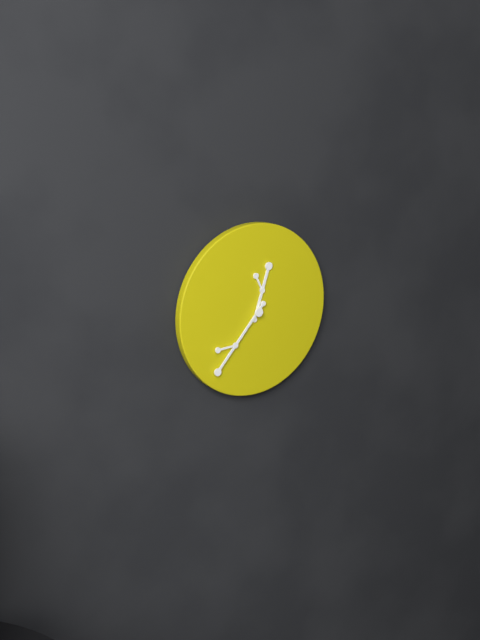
12:37
